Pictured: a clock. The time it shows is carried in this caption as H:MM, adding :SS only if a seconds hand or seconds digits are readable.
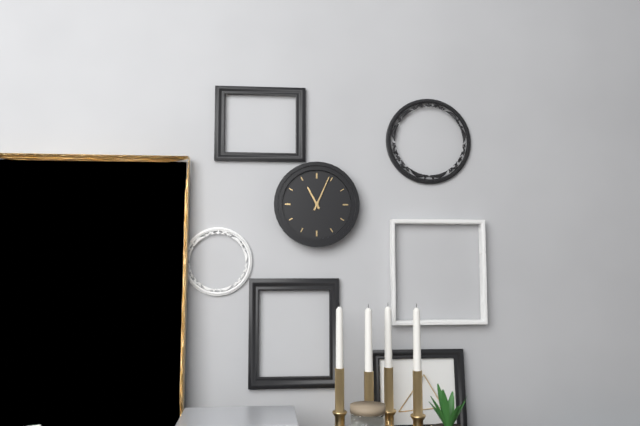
11:04
